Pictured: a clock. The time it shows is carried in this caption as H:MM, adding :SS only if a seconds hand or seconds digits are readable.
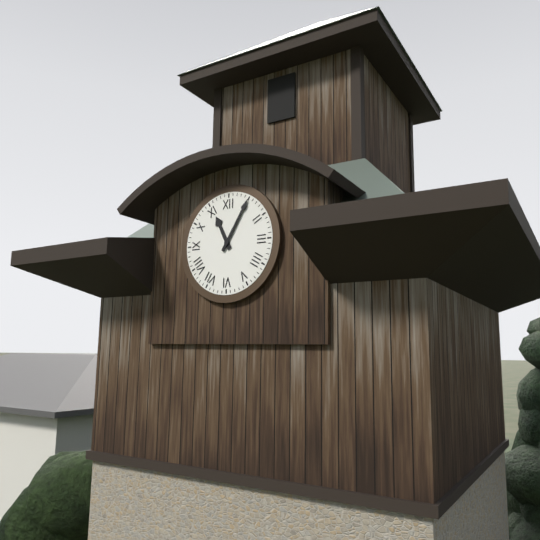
11:05
